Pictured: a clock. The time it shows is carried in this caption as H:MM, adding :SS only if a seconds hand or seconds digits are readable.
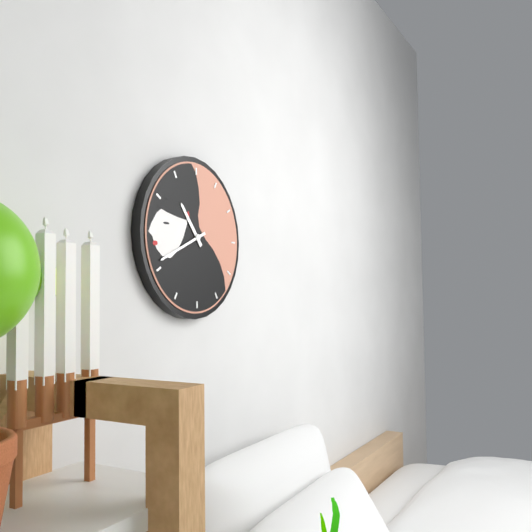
10:41
